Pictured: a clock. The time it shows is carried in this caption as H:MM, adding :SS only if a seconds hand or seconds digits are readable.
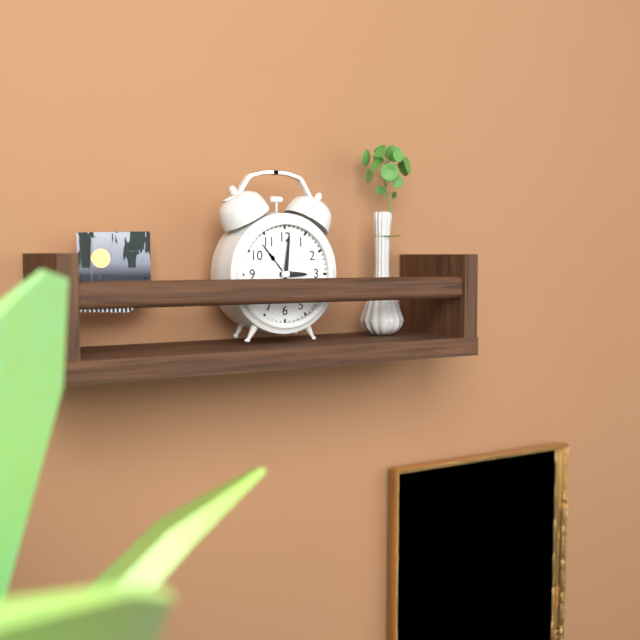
3:01
